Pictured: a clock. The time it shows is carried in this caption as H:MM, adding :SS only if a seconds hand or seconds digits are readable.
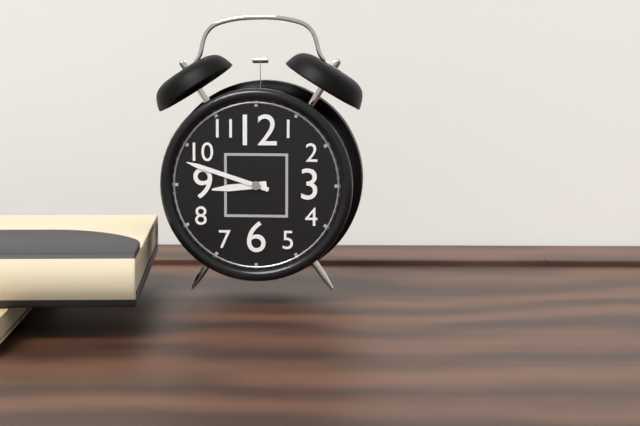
8:48
